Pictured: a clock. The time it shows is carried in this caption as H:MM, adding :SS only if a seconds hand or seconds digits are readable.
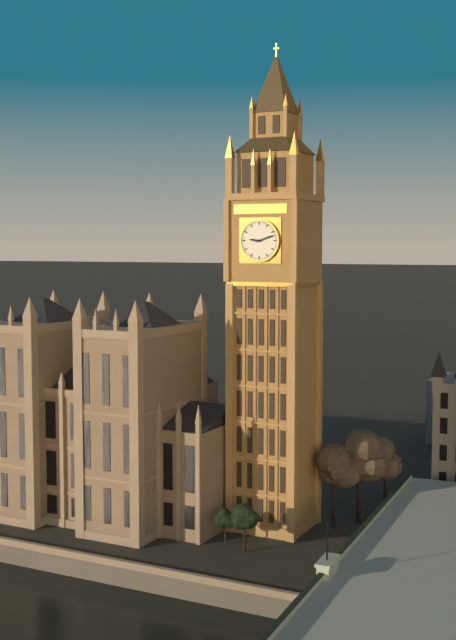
9:12
